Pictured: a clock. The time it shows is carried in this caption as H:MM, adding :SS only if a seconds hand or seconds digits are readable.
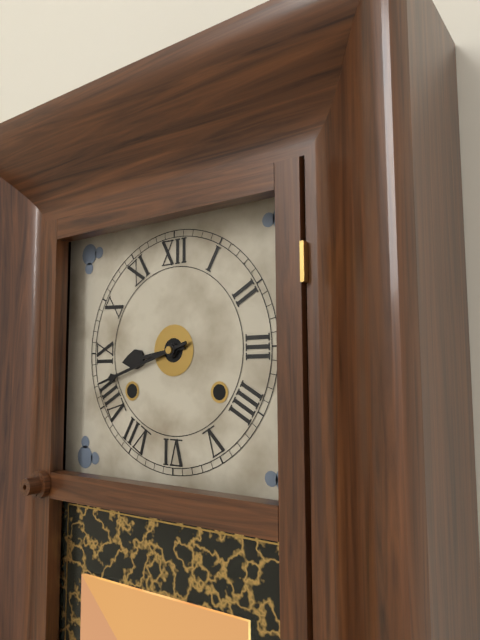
8:42
